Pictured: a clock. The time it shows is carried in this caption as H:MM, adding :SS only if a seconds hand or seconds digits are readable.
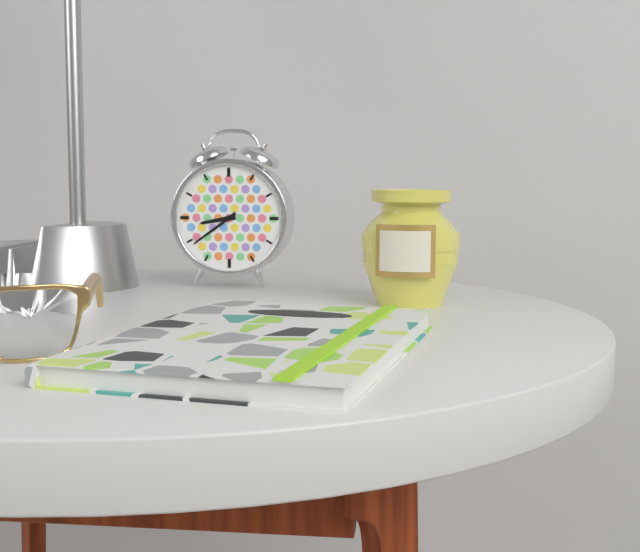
8:39
